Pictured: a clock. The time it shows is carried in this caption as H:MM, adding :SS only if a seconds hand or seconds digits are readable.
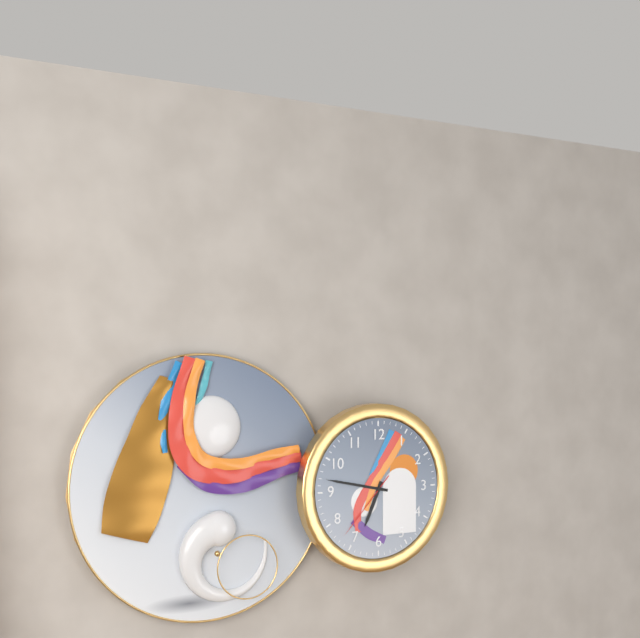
6:47:37
